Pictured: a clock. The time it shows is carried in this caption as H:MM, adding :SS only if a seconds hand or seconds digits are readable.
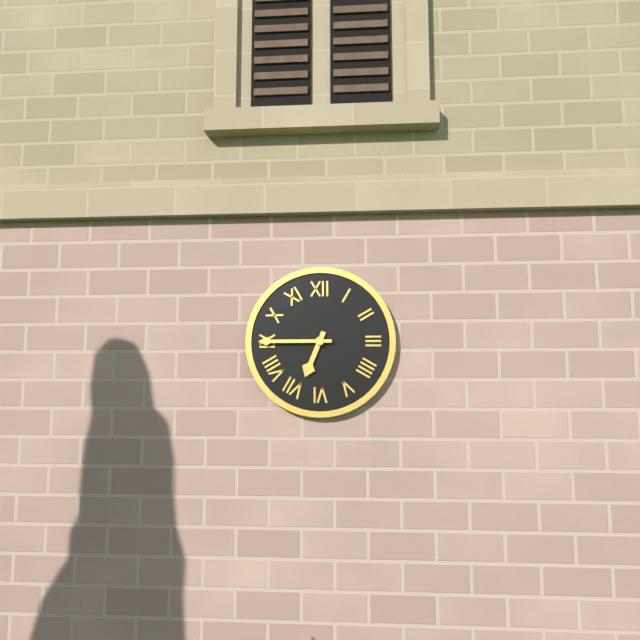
6:45
